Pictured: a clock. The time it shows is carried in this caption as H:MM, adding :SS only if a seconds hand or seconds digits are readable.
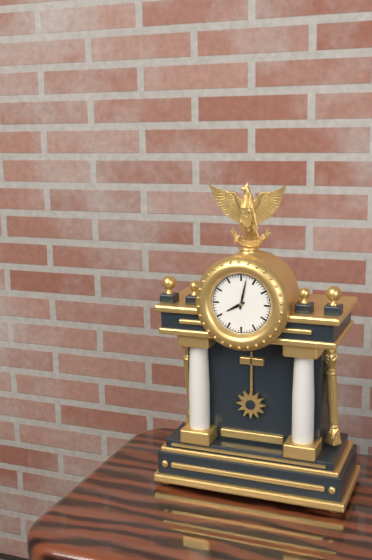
8:02
